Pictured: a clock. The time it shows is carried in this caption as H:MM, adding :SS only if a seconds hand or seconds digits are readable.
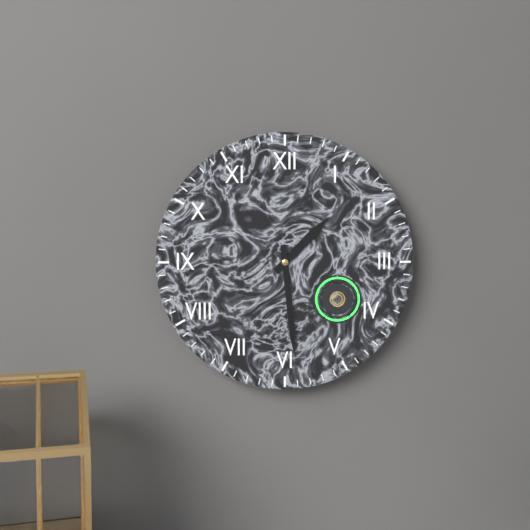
1:29
